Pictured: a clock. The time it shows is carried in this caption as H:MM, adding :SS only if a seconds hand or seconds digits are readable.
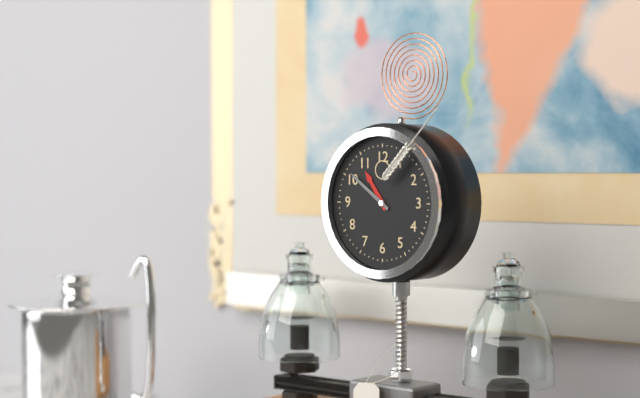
10:51
